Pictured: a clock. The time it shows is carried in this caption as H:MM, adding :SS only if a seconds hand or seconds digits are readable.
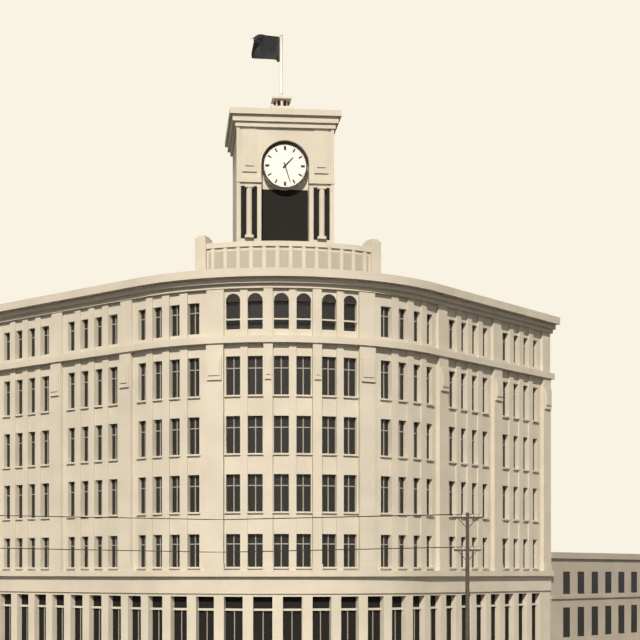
1:27
